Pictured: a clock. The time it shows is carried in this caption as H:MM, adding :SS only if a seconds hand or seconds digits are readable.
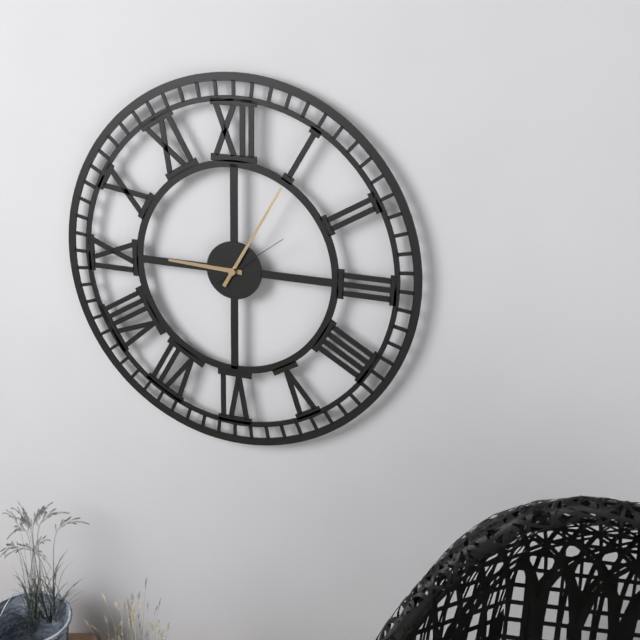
9:05:09
